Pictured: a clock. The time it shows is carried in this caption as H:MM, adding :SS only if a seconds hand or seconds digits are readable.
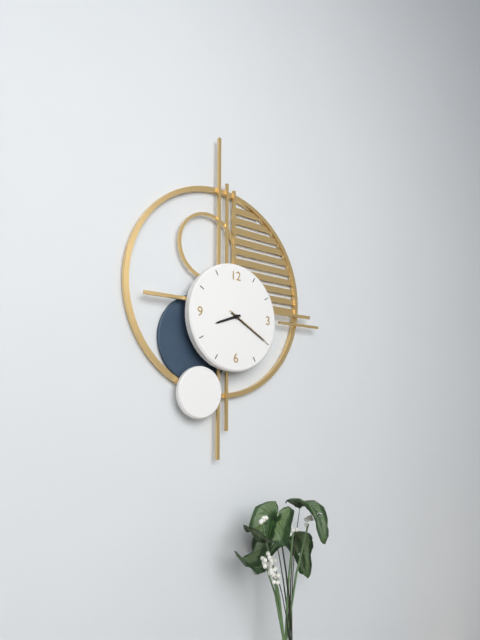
8:20
